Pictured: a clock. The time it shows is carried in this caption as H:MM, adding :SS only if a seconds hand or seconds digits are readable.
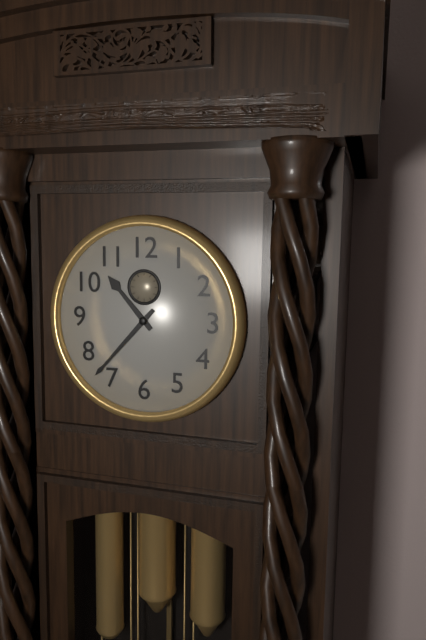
10:37
